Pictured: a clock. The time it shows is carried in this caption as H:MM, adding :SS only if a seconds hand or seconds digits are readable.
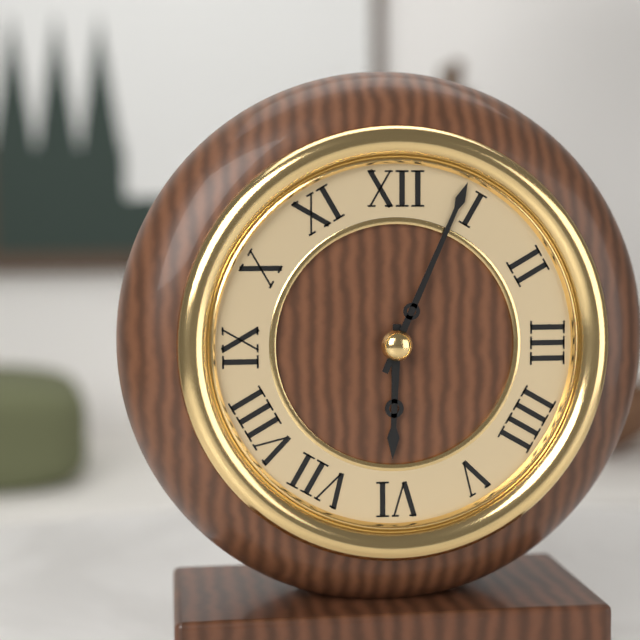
6:04
